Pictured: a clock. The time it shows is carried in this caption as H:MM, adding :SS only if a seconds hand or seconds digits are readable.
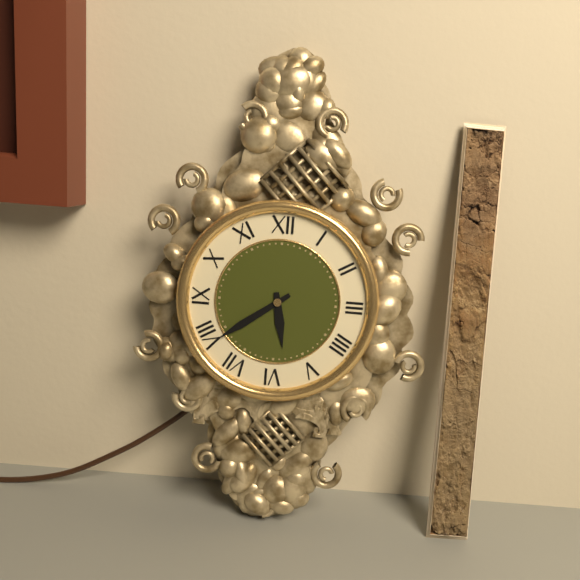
5:39
